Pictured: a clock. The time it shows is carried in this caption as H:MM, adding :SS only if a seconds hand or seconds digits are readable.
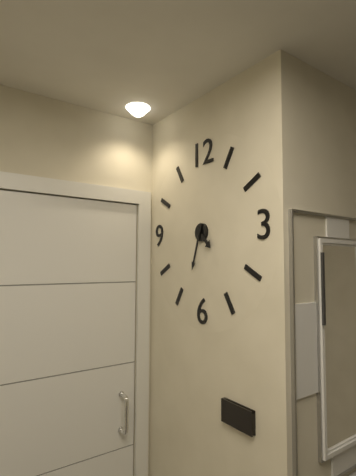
4:33
